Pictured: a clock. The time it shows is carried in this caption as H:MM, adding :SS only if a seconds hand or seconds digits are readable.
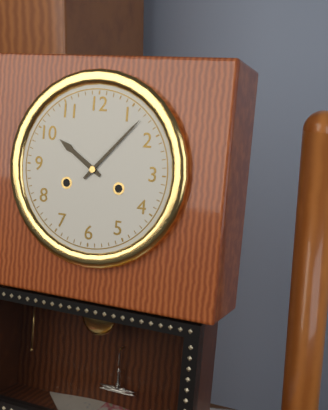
10:07
